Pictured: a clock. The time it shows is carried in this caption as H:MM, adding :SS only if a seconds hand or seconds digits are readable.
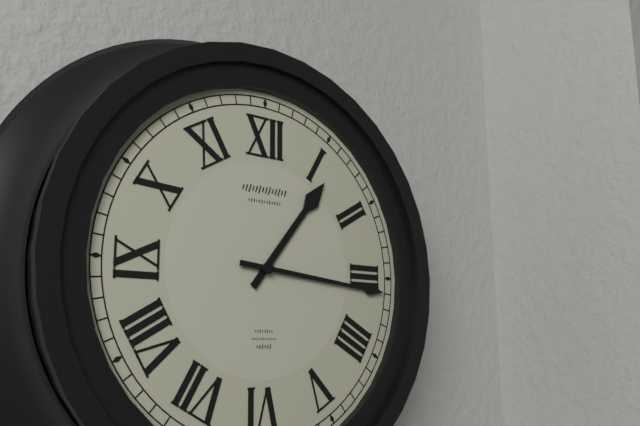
1:16
